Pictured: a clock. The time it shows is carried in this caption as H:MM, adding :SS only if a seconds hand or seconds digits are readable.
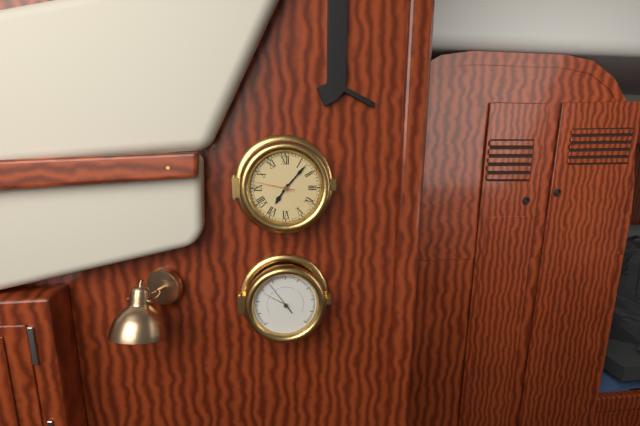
7:07
